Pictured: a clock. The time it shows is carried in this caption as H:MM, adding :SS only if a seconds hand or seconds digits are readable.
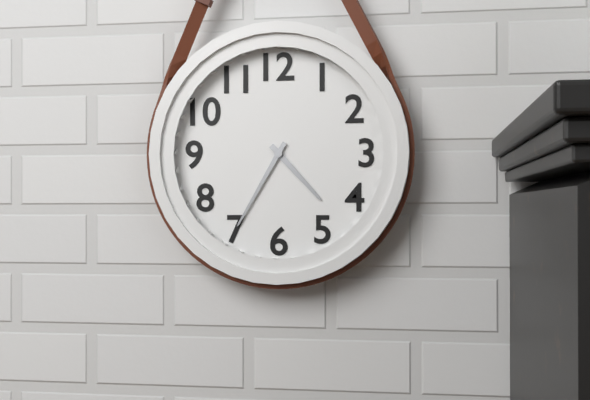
4:35
